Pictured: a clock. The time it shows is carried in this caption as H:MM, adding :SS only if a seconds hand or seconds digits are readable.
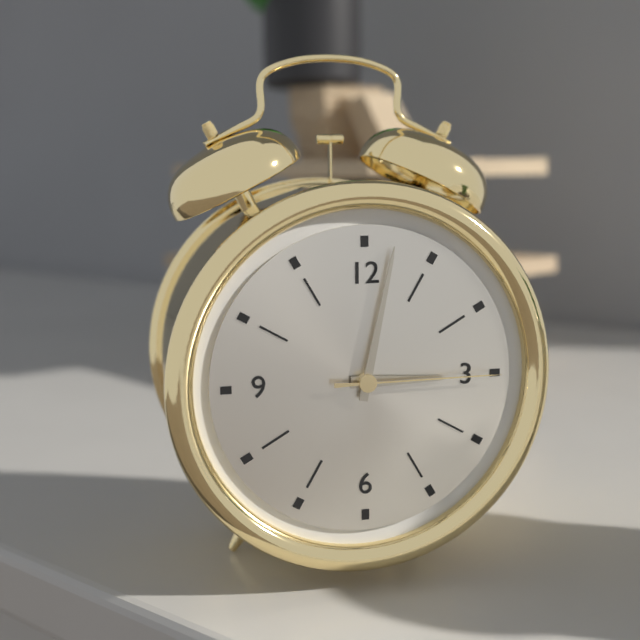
3:02:15
